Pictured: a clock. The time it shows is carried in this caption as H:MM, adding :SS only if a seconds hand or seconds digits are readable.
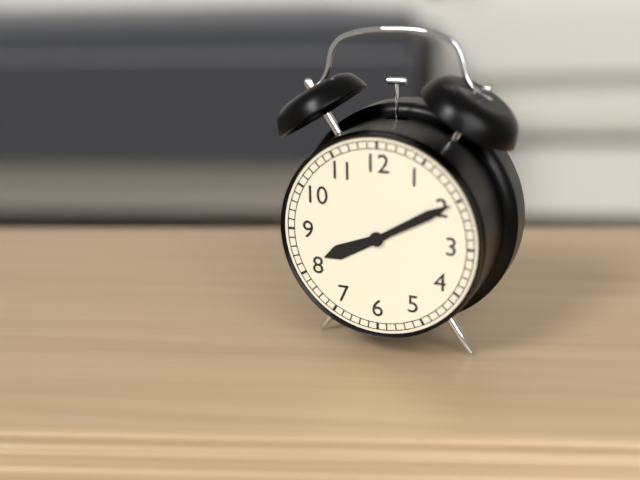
8:10
